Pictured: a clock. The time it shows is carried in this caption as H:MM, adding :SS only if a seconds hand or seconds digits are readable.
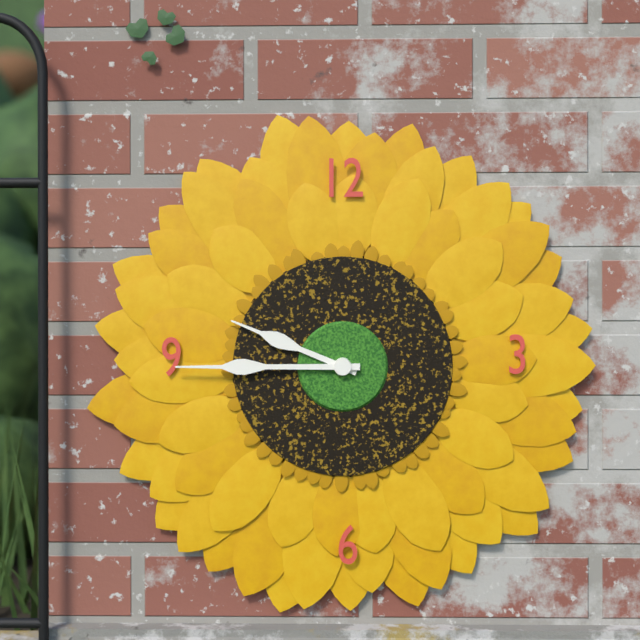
9:45
